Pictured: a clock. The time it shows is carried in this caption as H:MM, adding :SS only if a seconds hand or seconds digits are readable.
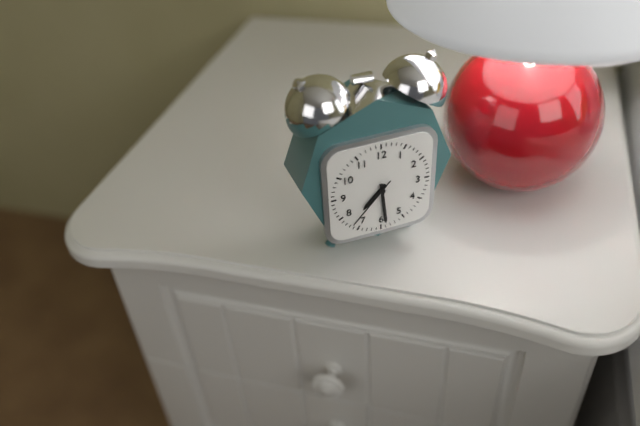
7:29:37
